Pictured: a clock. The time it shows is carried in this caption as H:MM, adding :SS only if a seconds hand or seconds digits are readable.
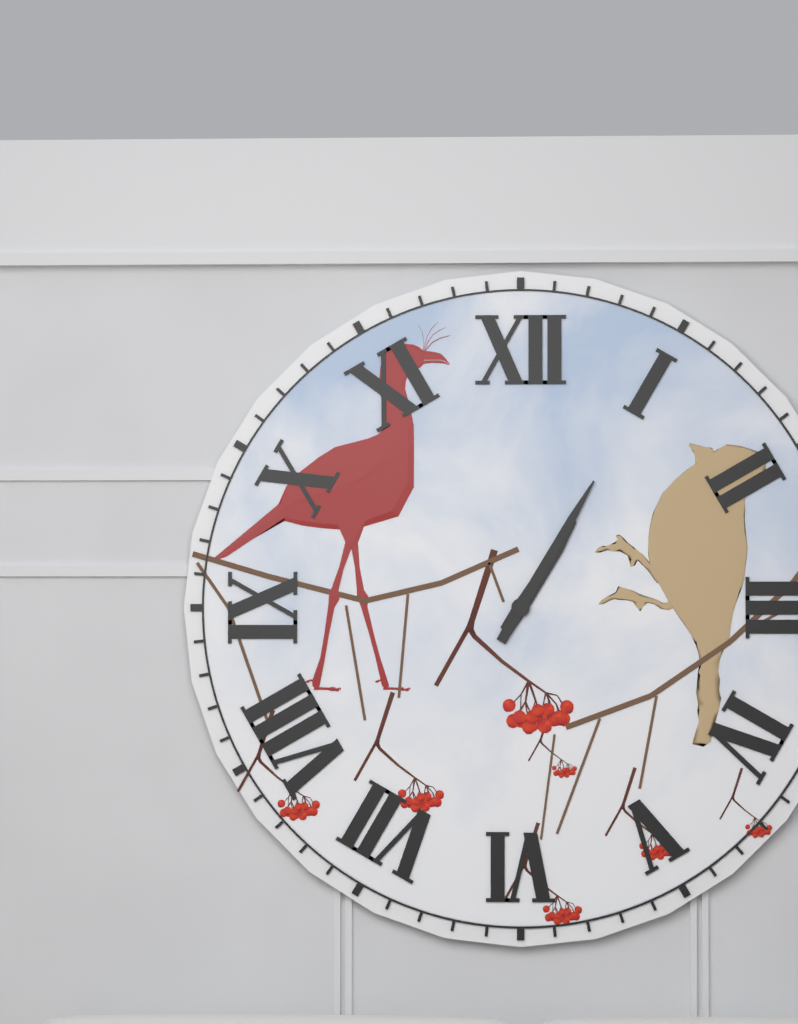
1:05
